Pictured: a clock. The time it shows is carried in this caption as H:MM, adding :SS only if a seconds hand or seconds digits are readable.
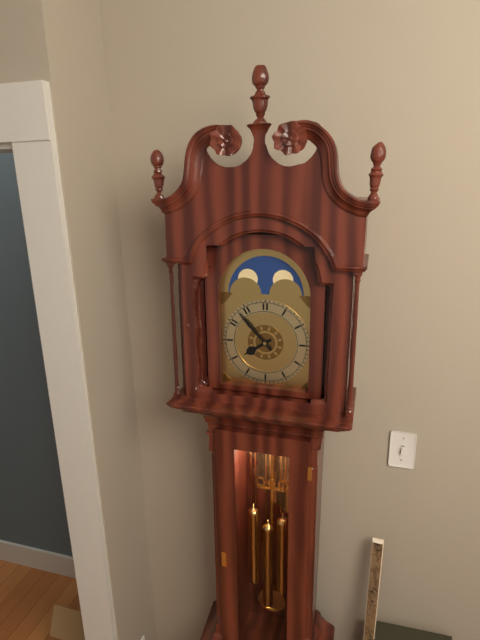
7:53
